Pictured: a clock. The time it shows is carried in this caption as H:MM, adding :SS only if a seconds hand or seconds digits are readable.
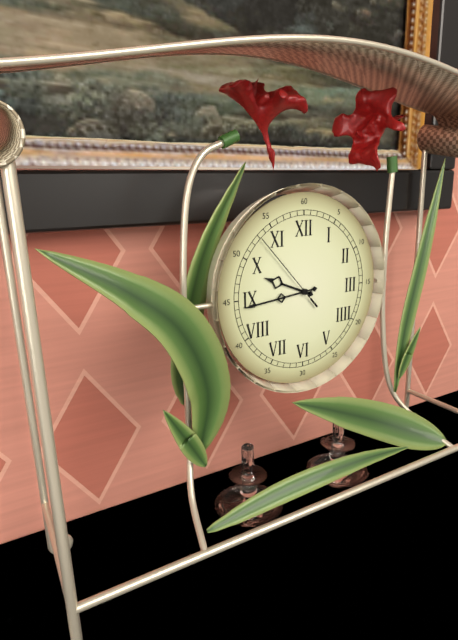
9:44:53
